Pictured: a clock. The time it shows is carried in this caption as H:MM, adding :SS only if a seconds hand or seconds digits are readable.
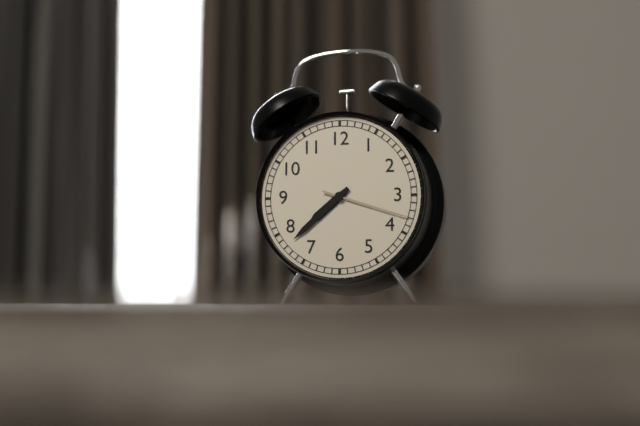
7:38:18
